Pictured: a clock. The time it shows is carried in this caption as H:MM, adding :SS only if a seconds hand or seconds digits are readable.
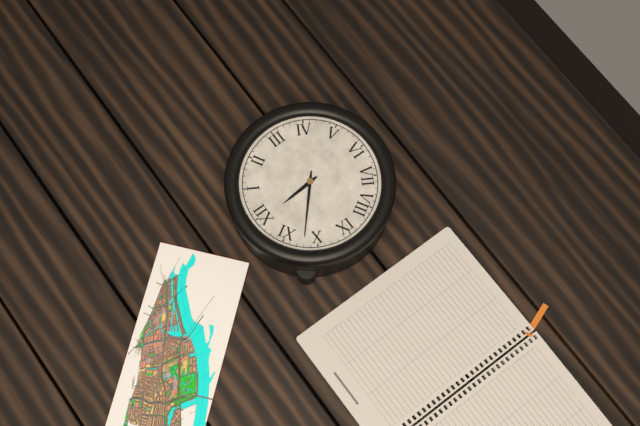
11:52
